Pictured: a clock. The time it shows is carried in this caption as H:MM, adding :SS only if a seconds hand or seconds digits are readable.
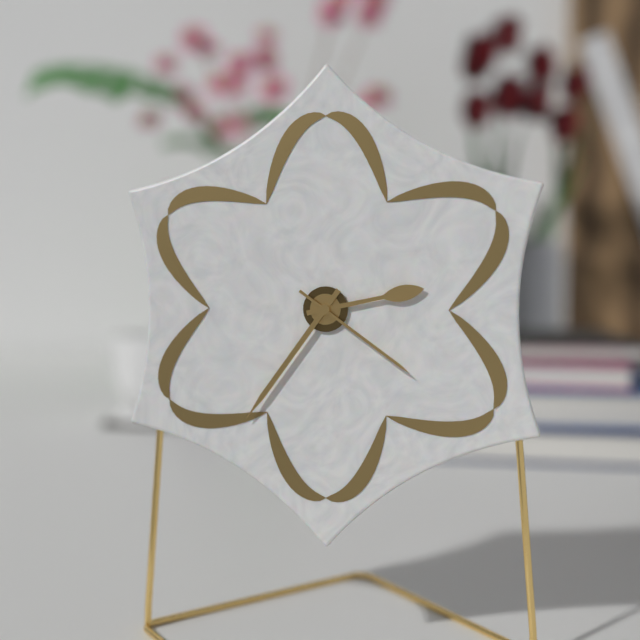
2:36:21
